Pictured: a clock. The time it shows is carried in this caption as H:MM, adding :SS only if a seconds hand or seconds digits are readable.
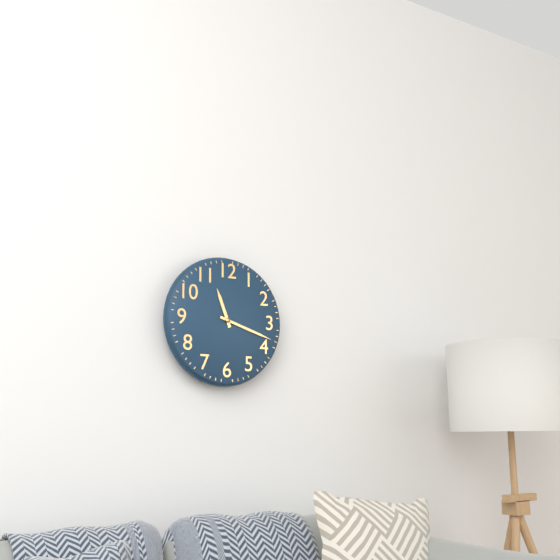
11:18
